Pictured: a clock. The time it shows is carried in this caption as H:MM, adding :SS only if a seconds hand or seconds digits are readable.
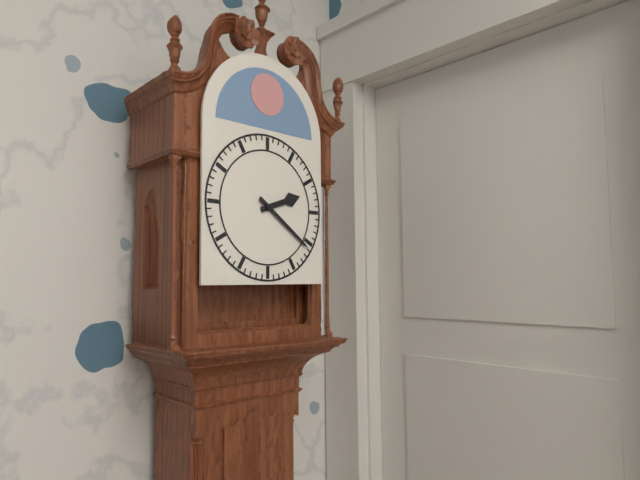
2:21
